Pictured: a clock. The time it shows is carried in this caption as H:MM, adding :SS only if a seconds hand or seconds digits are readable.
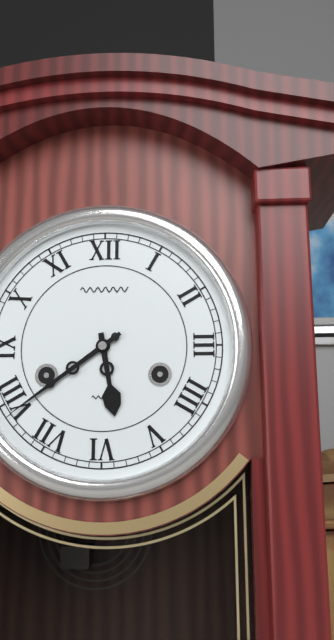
5:39
